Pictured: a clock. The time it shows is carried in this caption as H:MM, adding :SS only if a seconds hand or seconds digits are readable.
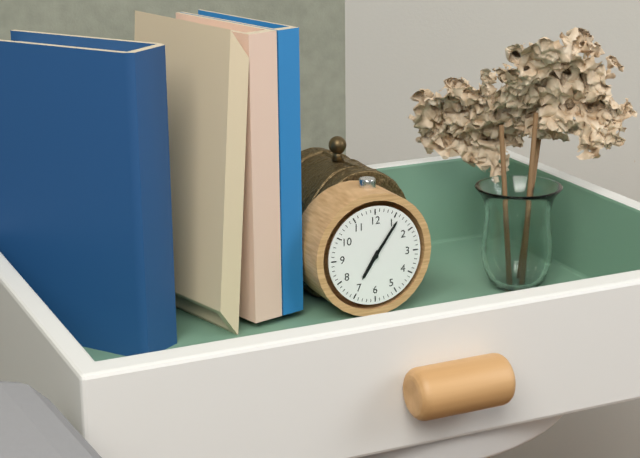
7:06
